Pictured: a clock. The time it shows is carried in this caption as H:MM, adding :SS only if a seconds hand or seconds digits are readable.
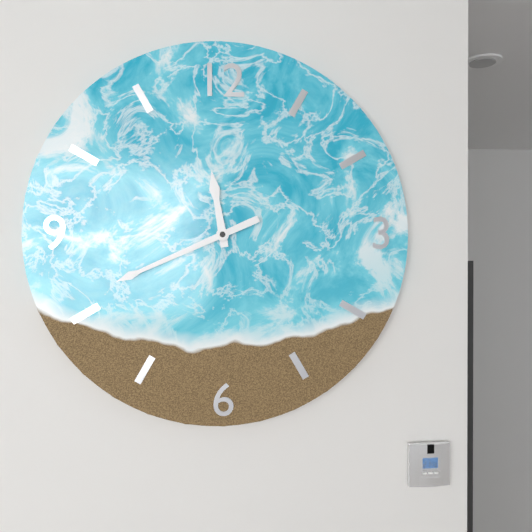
11:41
